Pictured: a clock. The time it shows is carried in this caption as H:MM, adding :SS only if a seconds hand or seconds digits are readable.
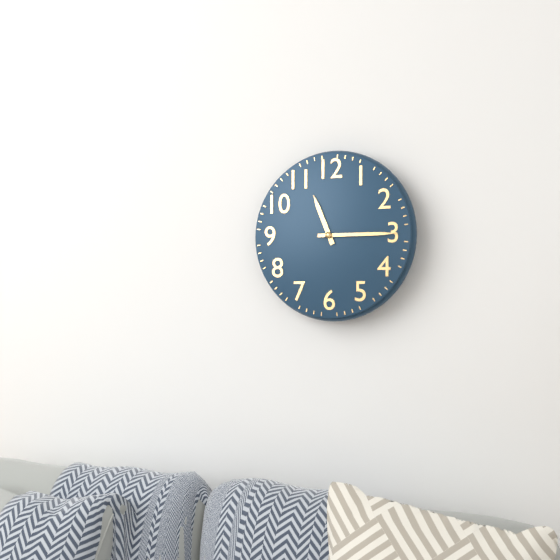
11:15
